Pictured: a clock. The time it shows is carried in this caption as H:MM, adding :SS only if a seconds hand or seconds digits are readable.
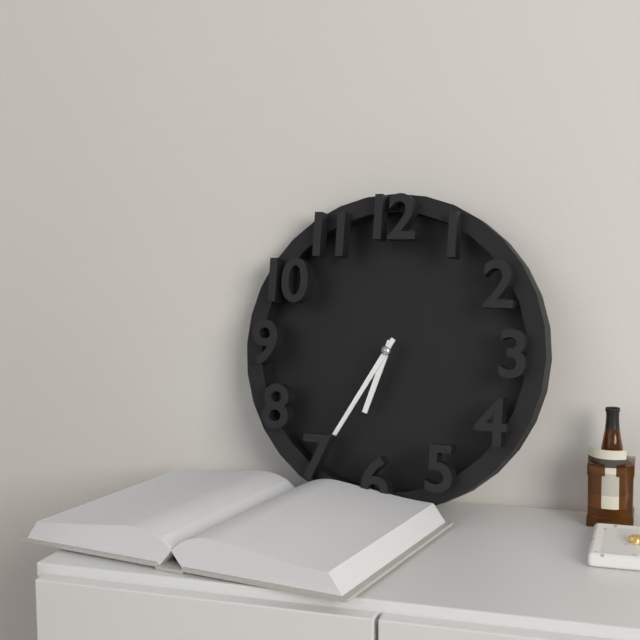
6:35
